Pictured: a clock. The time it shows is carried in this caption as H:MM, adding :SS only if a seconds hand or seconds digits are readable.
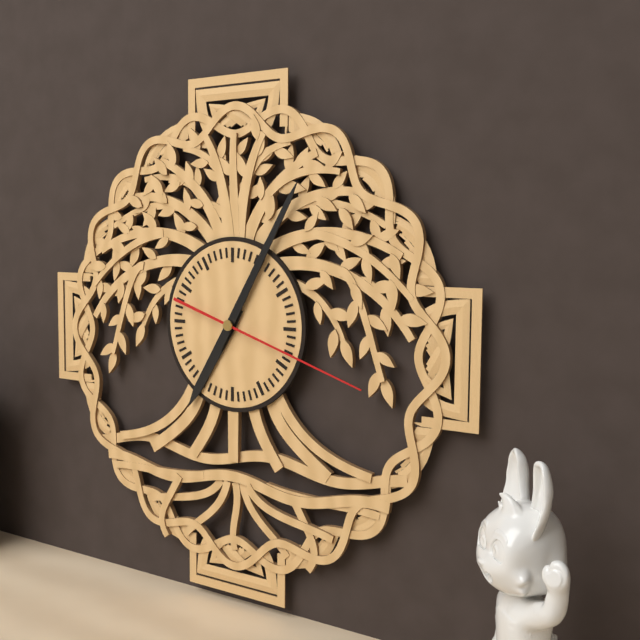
7:05:18
